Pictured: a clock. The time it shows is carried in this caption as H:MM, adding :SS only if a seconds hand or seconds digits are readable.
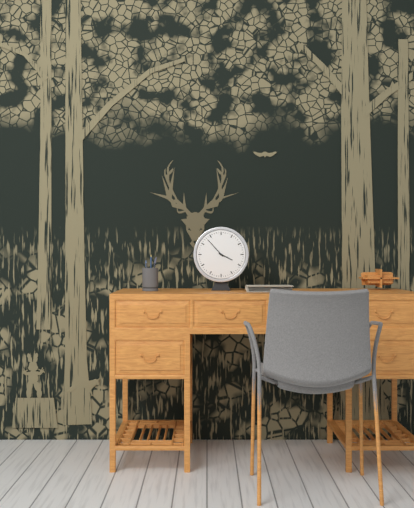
3:53
